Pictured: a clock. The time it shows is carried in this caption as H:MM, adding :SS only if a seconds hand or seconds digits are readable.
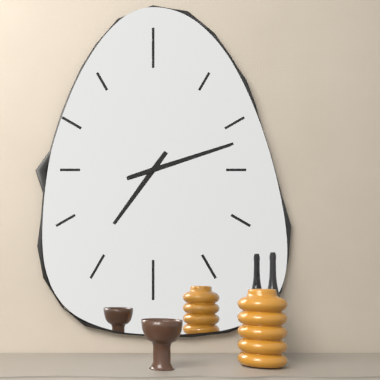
7:12
